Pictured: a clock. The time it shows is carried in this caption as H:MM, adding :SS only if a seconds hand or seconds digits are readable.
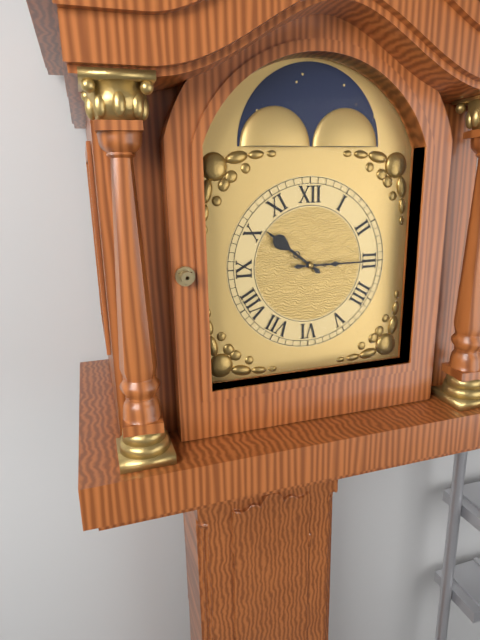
10:15
